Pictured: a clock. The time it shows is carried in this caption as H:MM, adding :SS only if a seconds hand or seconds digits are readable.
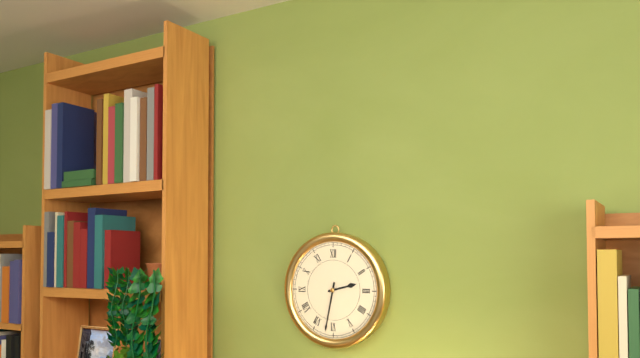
2:32
